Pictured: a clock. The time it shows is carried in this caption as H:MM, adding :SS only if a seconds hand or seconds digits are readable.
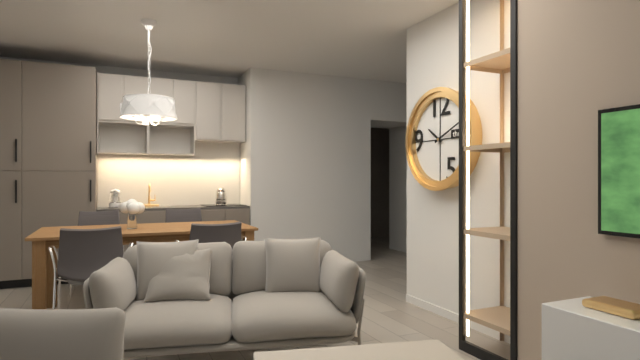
10:11
